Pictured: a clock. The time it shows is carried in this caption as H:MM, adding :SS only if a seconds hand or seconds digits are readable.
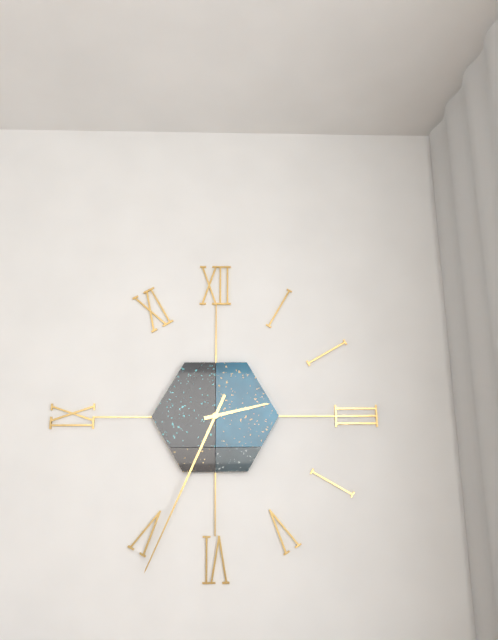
2:34
